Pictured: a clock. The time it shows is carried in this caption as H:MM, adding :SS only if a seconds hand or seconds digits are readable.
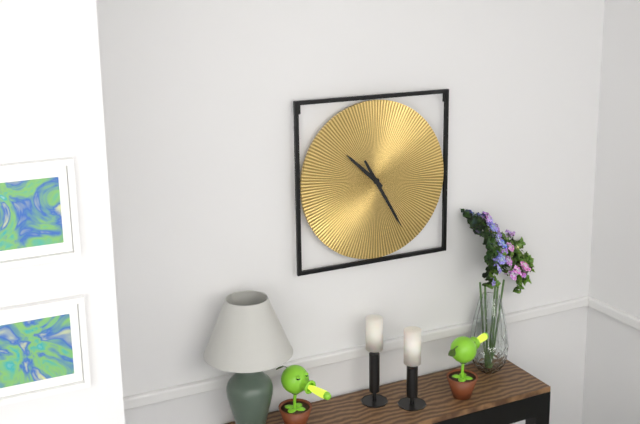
10:25
